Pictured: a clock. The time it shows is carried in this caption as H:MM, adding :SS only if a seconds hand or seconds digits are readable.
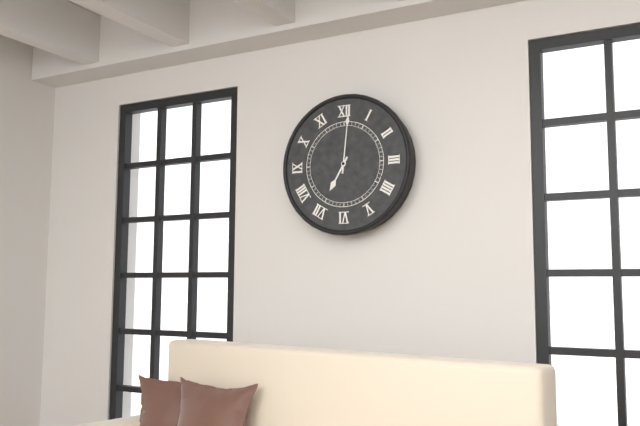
7:01
